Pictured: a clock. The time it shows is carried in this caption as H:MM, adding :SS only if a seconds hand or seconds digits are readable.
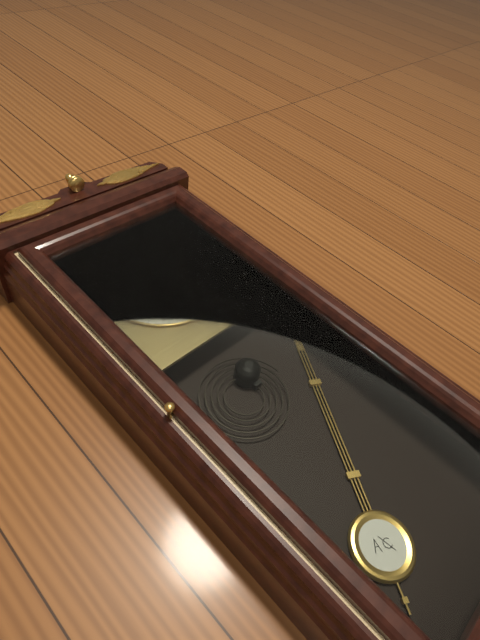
1:25
